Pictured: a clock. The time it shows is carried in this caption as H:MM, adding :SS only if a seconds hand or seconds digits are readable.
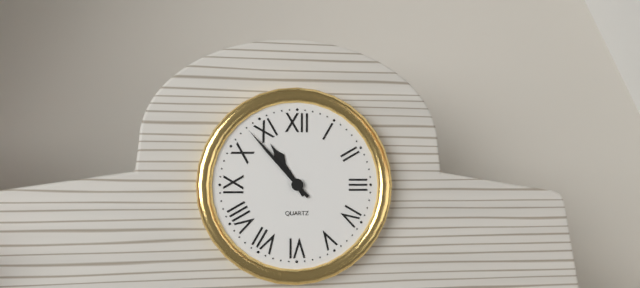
10:53
